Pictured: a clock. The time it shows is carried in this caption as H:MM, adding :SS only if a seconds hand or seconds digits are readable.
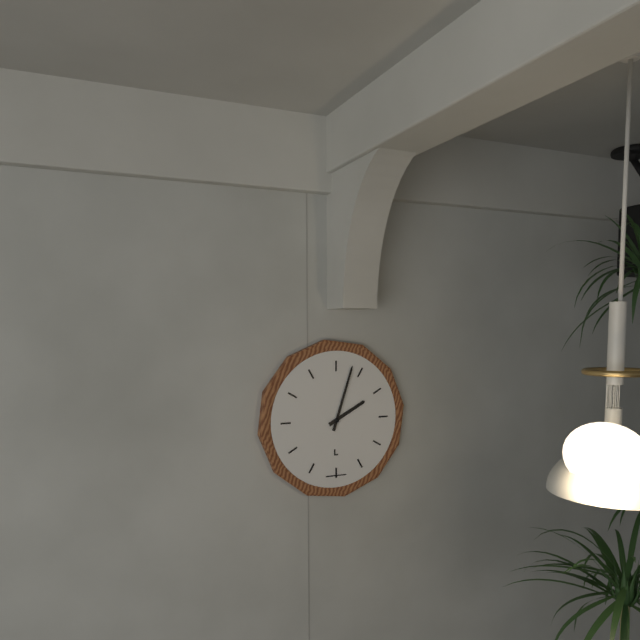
2:03
